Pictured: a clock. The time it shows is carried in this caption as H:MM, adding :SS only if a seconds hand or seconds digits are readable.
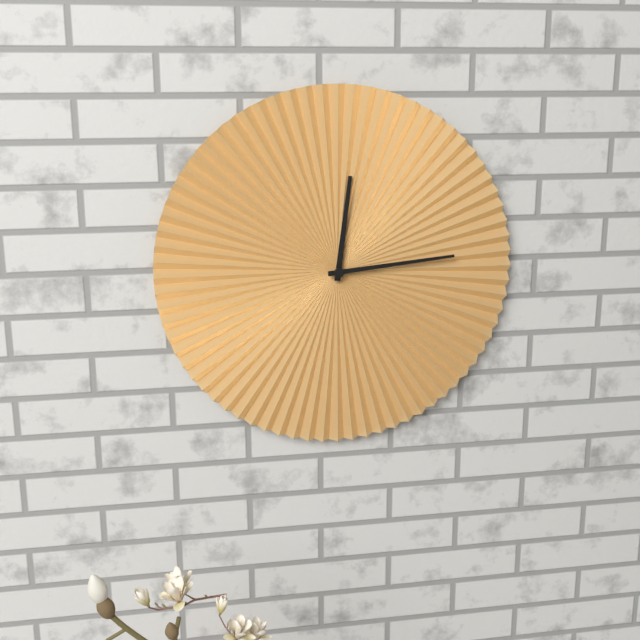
12:14
